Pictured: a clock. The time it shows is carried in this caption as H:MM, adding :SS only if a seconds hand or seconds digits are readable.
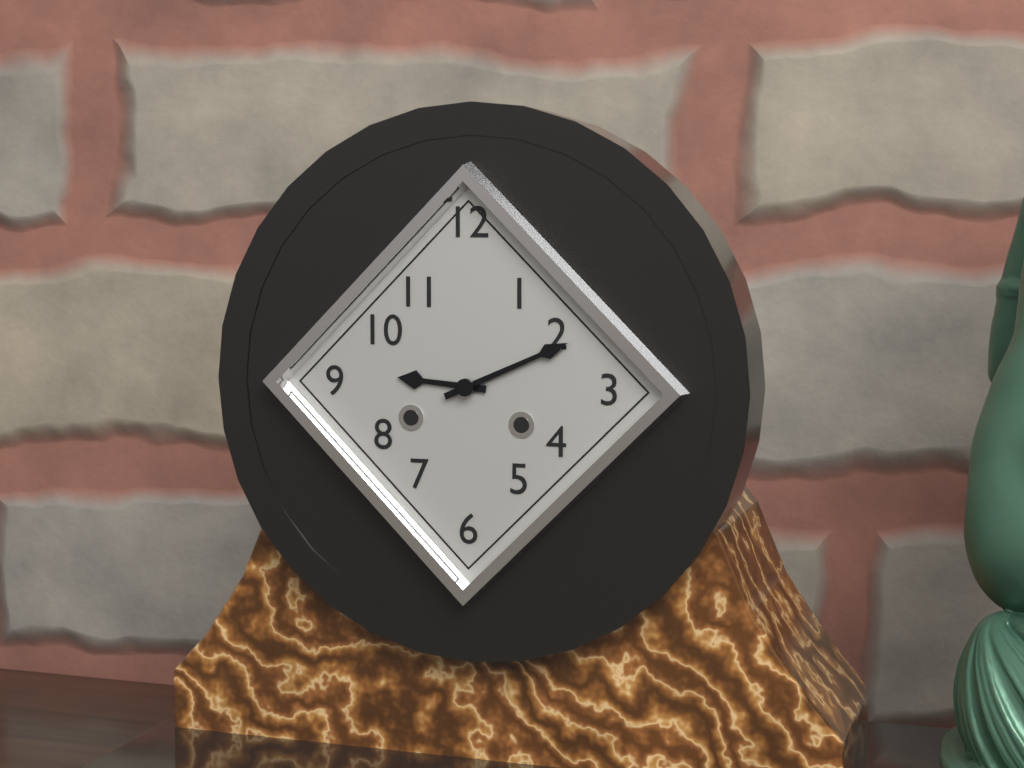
9:11
